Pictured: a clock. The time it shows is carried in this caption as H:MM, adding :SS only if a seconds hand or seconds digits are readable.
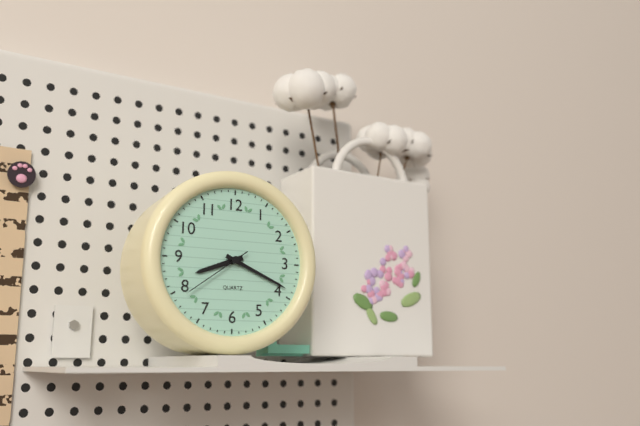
8:19:39
